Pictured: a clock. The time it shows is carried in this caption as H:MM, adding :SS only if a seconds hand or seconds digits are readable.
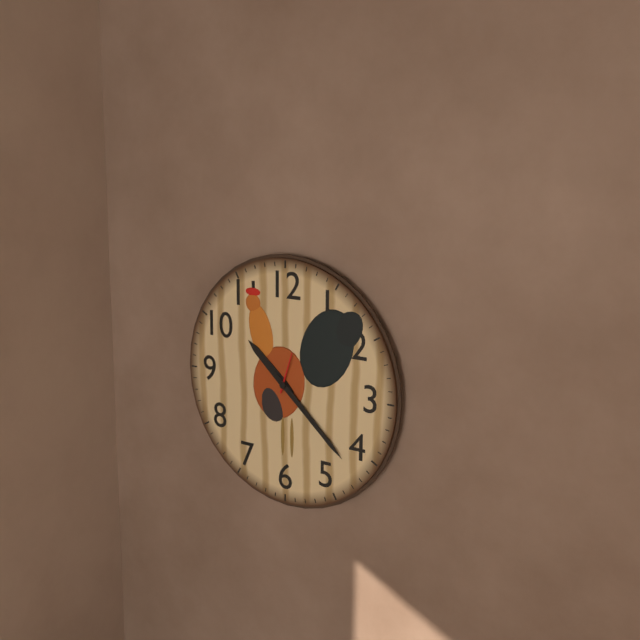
10:22
